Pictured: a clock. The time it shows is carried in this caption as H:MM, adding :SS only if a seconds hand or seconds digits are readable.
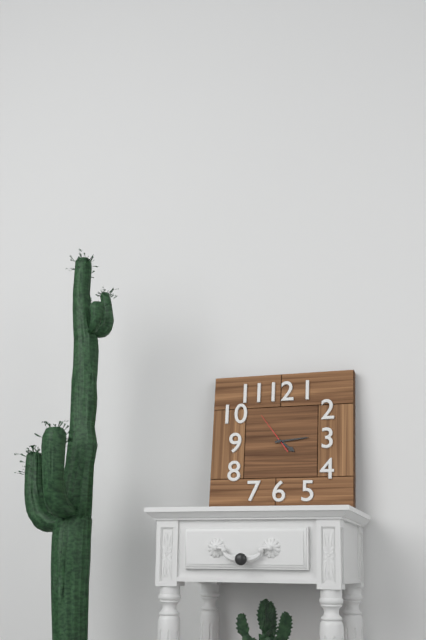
4:14
